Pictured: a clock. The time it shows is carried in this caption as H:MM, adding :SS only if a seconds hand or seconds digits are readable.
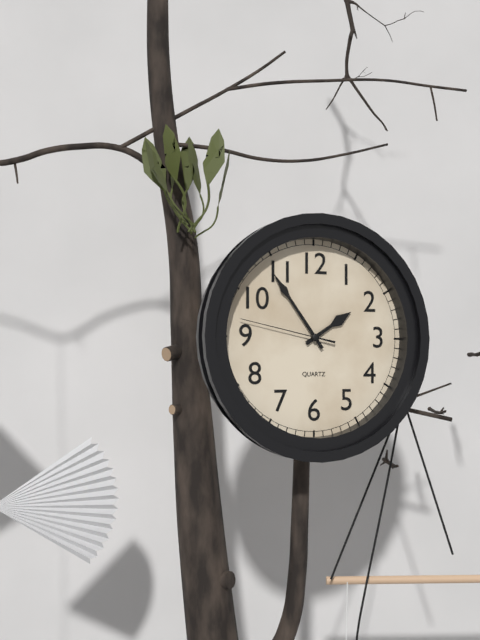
1:54:47
